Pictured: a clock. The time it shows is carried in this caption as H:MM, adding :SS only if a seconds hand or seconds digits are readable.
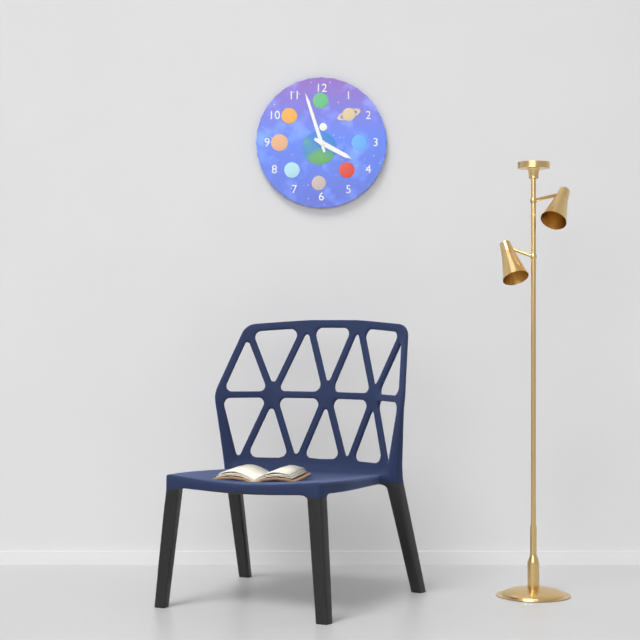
3:57
